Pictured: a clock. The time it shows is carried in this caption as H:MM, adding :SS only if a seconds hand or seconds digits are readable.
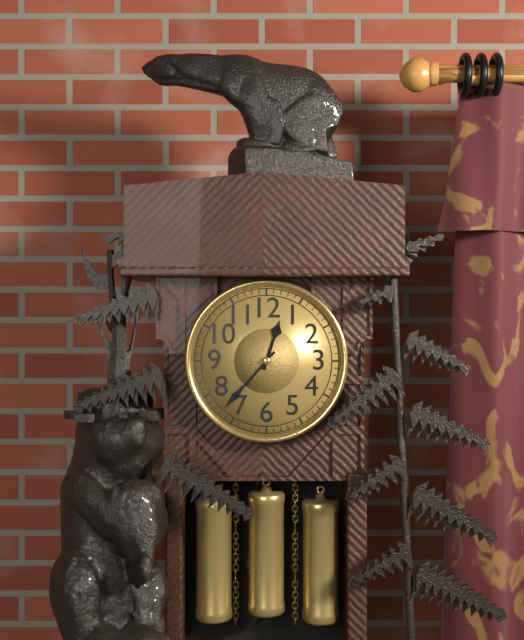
12:37
